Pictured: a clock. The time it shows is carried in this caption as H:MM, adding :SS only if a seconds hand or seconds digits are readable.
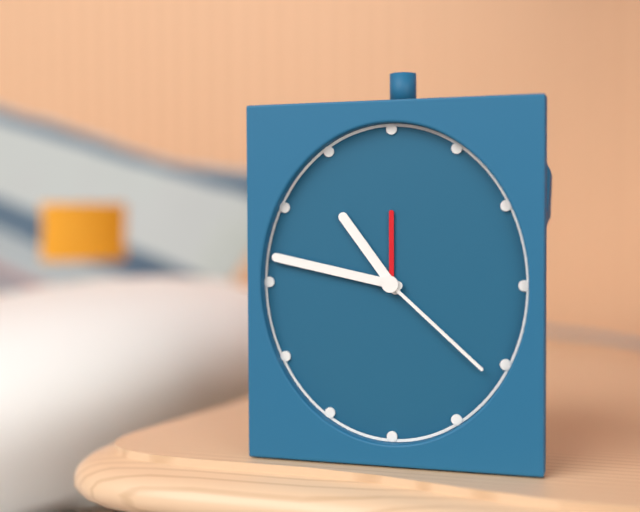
10:47:22
